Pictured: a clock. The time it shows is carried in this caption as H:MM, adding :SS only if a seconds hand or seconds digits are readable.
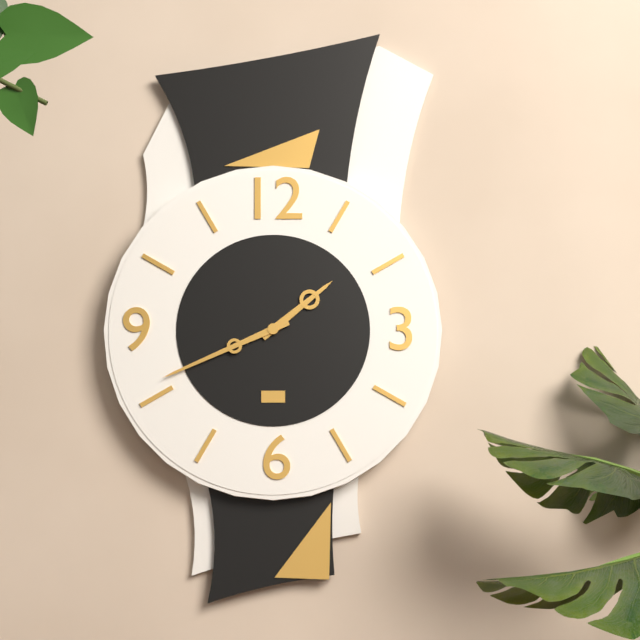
1:41
